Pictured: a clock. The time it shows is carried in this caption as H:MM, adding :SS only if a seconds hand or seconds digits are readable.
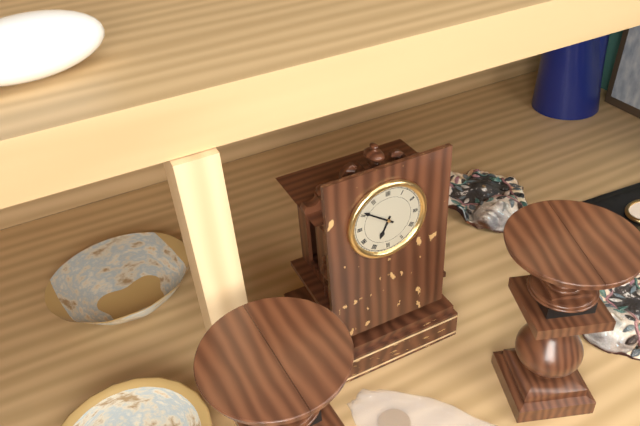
6:51
